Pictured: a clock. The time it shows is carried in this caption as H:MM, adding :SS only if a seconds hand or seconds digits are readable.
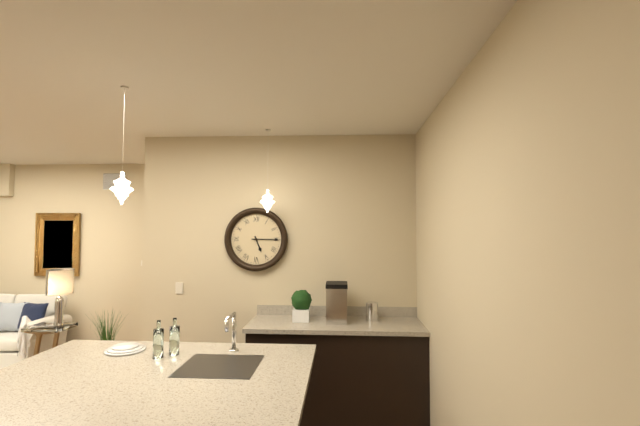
5:15
